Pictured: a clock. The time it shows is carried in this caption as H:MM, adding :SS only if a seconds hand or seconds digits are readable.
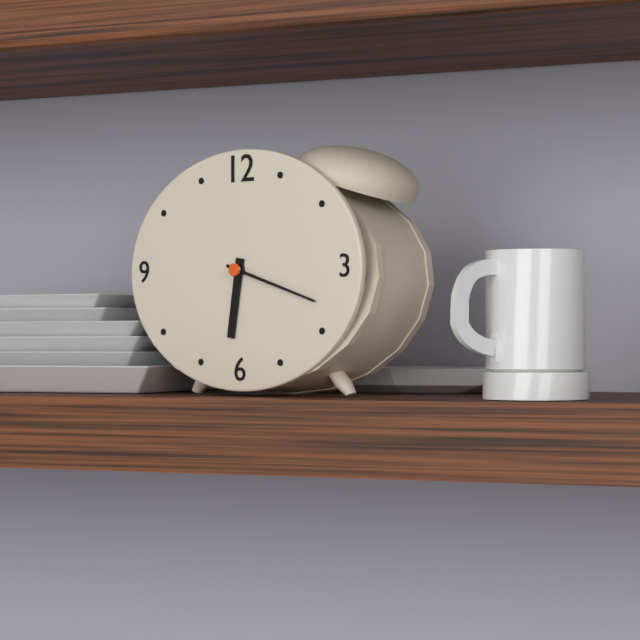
6:18
